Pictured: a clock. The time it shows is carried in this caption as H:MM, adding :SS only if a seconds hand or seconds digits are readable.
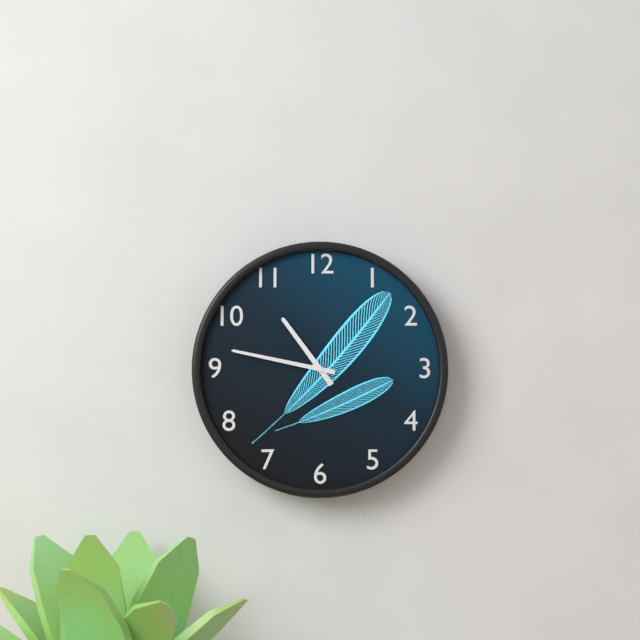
10:47
